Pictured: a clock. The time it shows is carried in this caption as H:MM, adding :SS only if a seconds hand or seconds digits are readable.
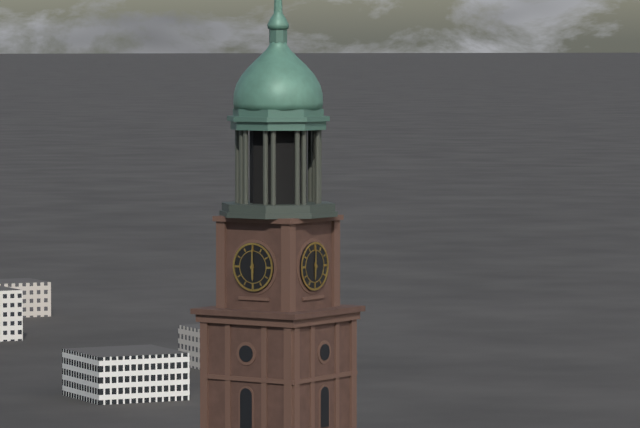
6:00
